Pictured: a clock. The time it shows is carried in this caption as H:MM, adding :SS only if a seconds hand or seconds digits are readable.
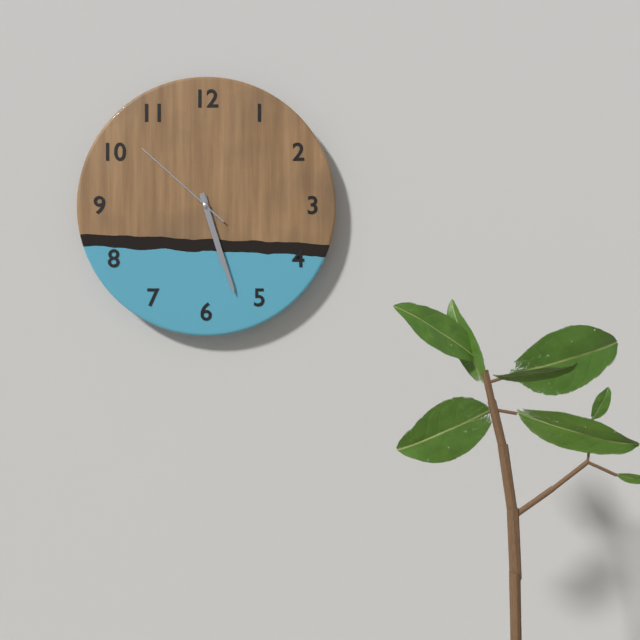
5:27:52
